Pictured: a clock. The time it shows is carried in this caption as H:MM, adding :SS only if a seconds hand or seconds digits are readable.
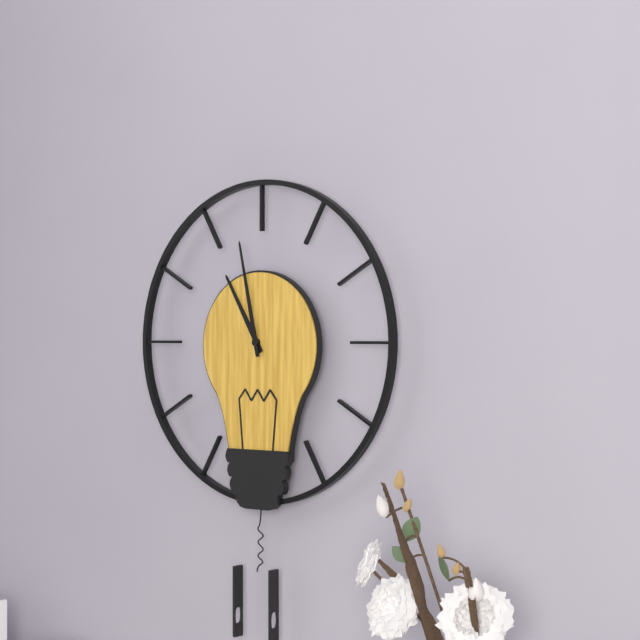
10:58
